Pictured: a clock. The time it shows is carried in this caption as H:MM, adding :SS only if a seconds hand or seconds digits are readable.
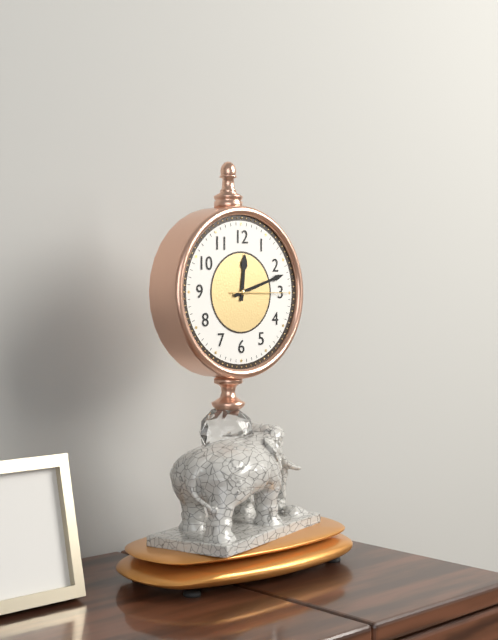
12:12:15
